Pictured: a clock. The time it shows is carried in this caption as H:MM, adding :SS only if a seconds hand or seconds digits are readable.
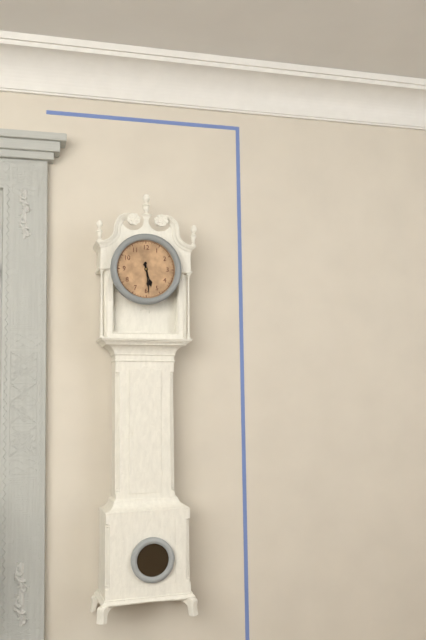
5:29
